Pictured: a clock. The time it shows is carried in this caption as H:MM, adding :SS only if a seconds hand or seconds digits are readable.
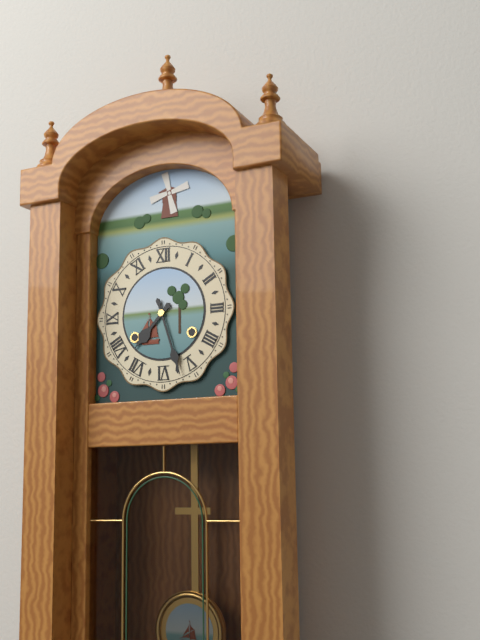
7:27
